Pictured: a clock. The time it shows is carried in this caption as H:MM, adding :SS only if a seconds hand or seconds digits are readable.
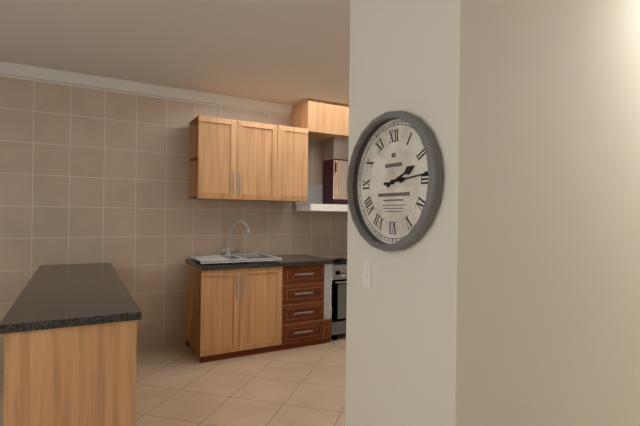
2:14
